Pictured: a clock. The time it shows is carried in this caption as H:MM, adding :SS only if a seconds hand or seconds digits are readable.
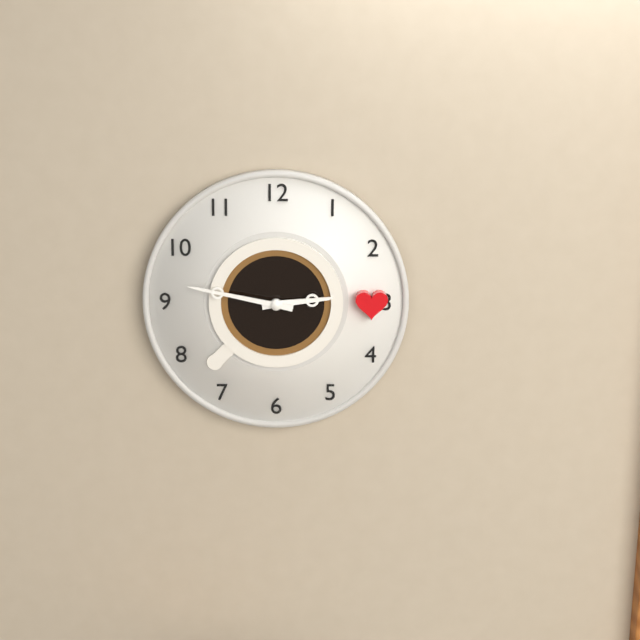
2:47
